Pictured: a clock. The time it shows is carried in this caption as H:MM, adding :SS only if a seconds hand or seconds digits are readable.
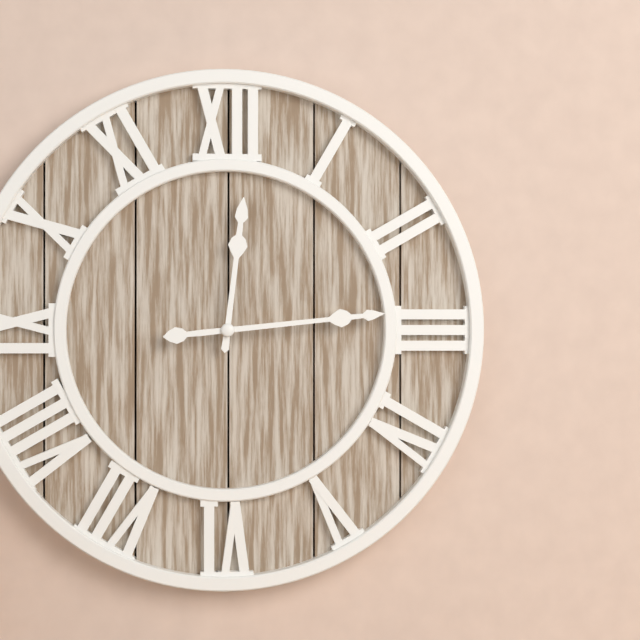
12:14
